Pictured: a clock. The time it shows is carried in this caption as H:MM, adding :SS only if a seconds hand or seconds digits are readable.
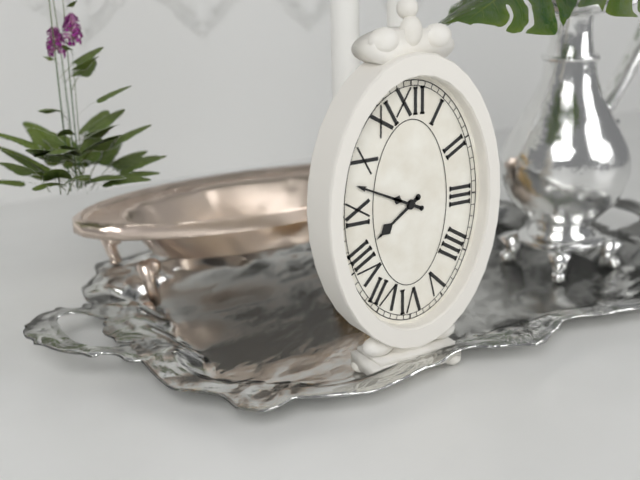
7:49
